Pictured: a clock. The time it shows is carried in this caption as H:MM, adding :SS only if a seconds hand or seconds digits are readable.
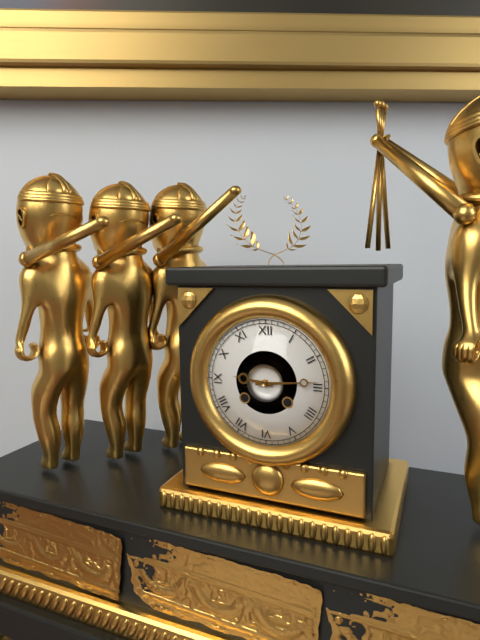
9:14
